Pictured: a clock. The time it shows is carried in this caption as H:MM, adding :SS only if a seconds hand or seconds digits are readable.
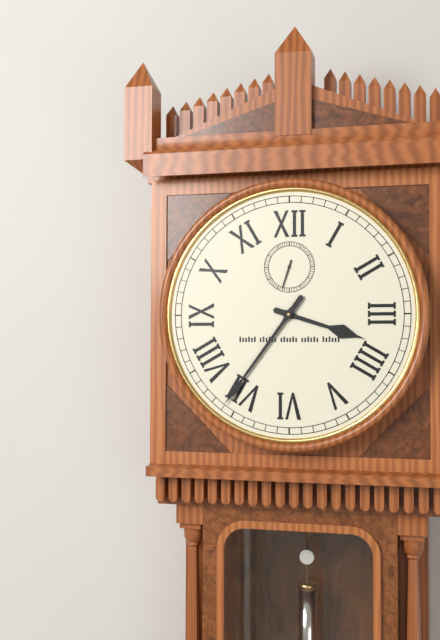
3:36
